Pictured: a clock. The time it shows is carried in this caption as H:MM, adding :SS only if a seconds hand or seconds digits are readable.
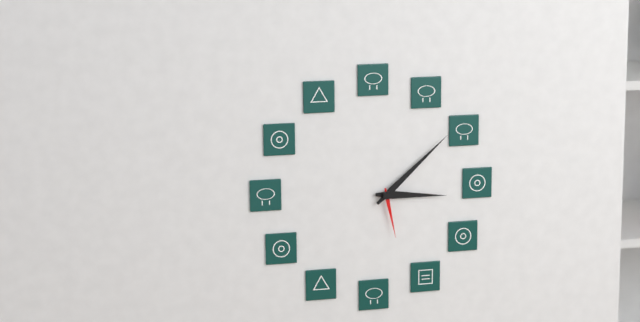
3:08:28
